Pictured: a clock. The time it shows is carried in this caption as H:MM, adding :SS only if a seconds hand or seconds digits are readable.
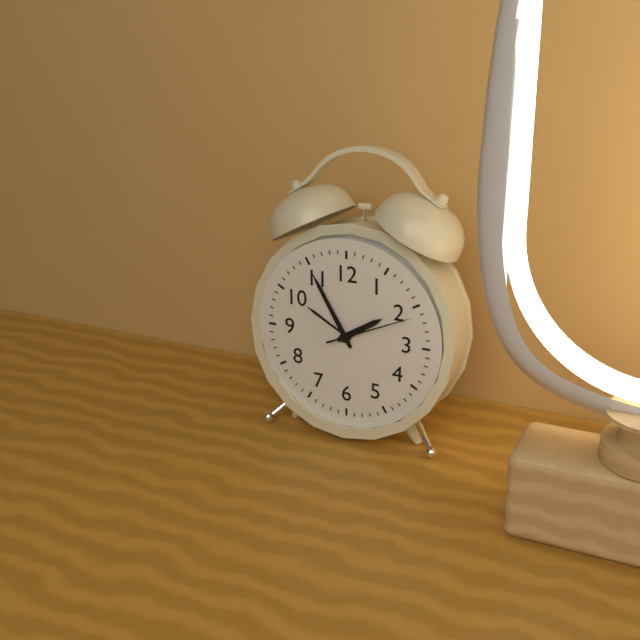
1:55:11
